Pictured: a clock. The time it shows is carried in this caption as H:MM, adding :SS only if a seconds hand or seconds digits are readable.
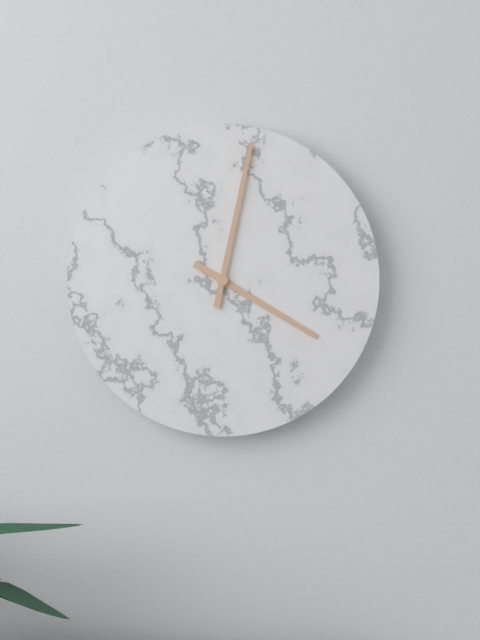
4:02
